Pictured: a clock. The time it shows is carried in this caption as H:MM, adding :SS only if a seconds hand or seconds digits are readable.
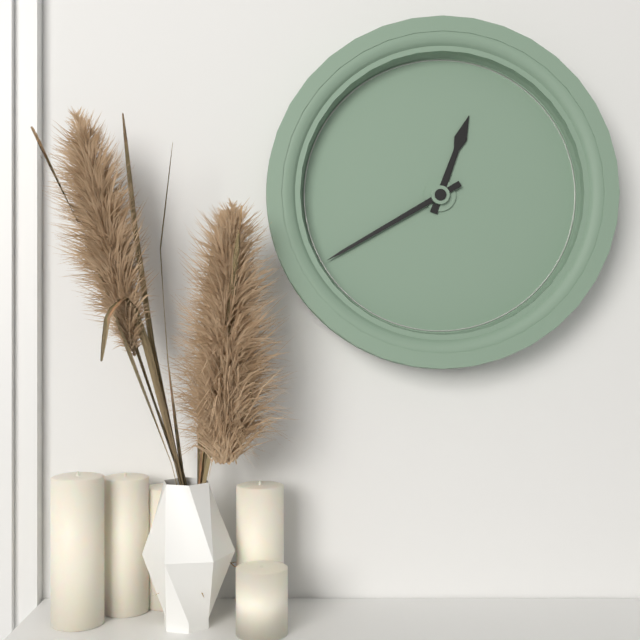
12:40
